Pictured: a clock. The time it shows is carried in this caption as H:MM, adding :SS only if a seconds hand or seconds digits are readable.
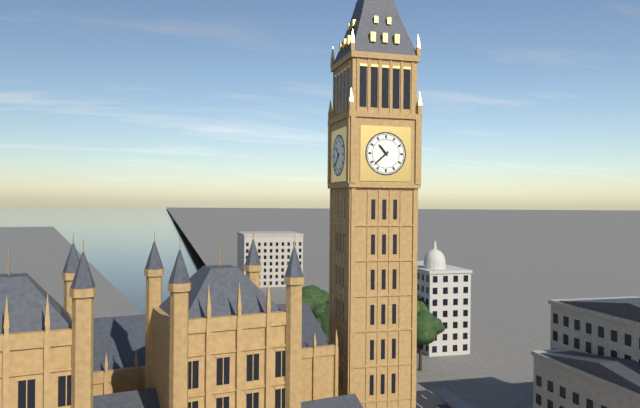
10:38
